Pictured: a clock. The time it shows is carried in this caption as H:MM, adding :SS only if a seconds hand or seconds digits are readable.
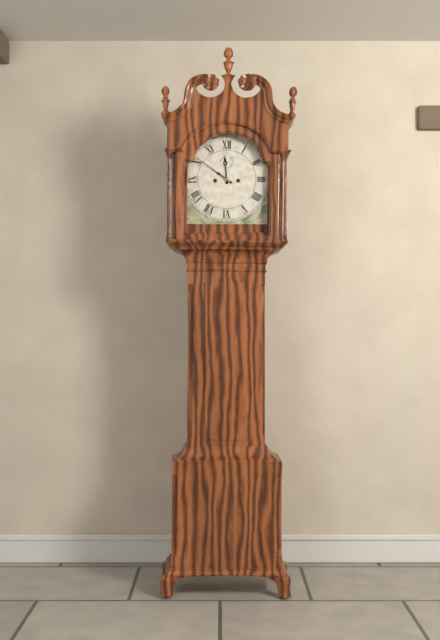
11:51
